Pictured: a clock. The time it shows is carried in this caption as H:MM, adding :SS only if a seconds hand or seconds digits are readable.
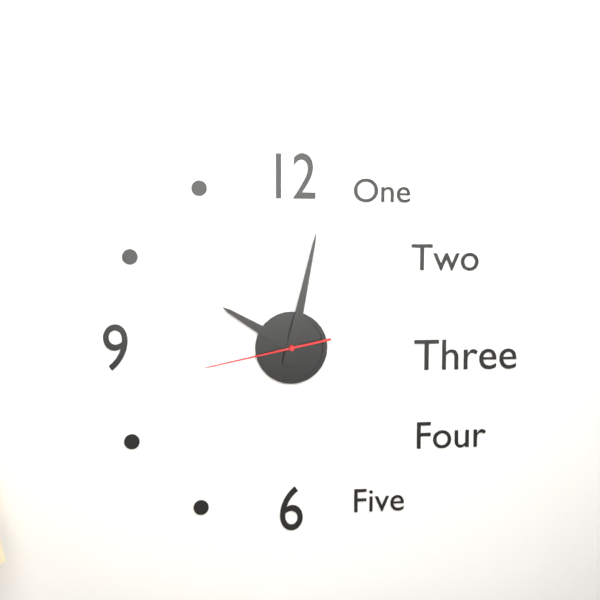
10:02:43
